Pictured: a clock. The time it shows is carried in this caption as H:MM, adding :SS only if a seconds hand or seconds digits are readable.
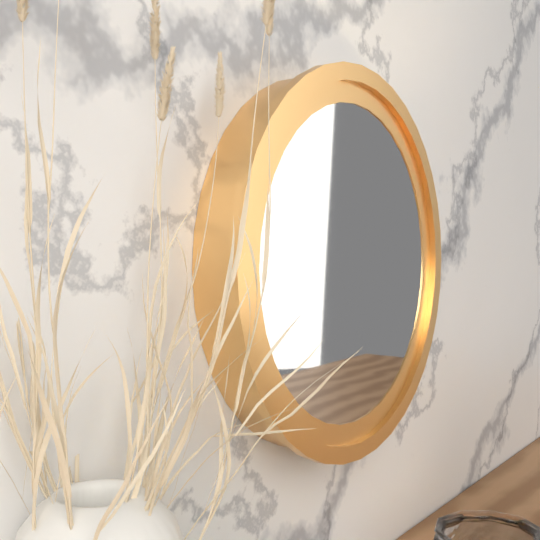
4:53:59
